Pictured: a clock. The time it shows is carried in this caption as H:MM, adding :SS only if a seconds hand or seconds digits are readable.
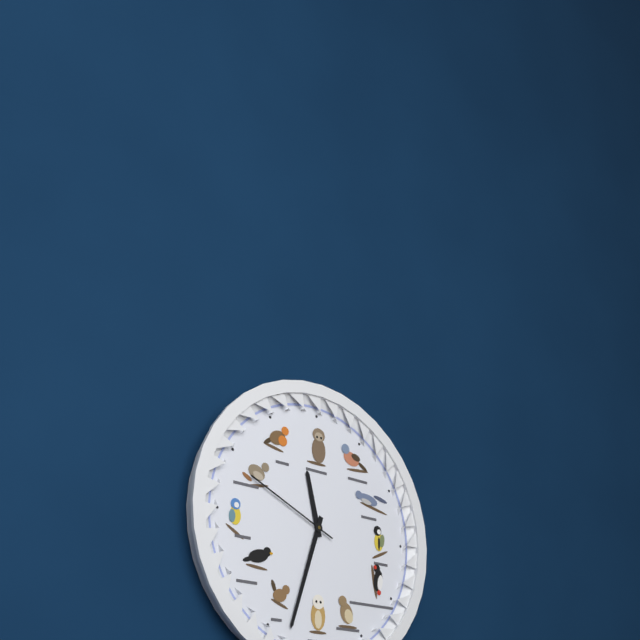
11:33:49
